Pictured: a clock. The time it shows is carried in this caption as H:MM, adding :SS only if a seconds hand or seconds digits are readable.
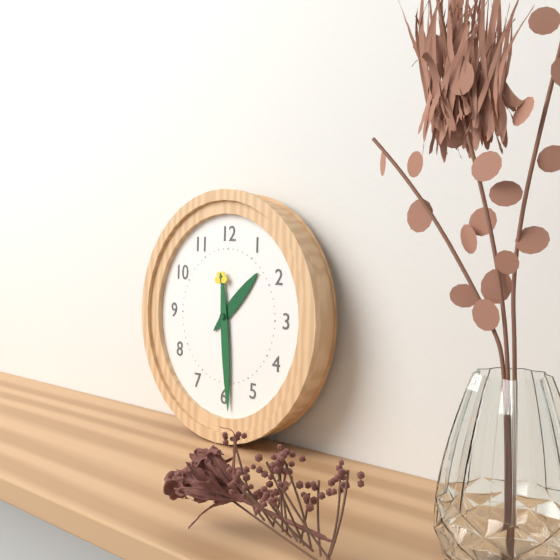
1:29
